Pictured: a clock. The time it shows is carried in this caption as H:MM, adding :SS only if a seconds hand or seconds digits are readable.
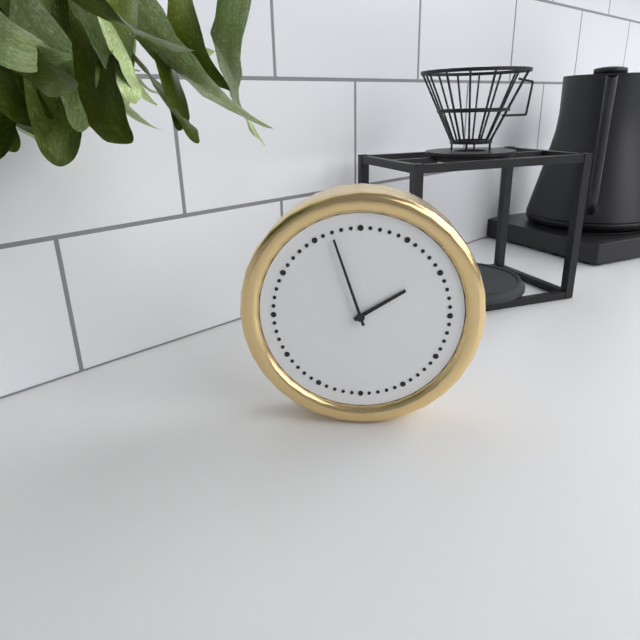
1:57
